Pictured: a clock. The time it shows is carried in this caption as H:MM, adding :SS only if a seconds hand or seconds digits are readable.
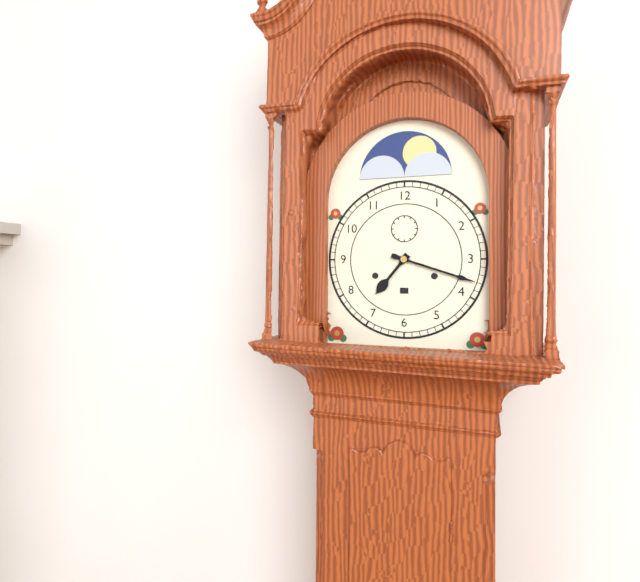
7:18
